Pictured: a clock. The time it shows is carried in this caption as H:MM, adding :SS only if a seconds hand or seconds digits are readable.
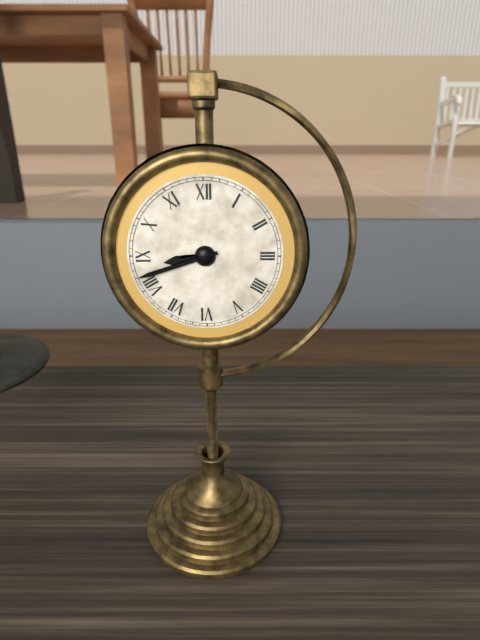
8:42
